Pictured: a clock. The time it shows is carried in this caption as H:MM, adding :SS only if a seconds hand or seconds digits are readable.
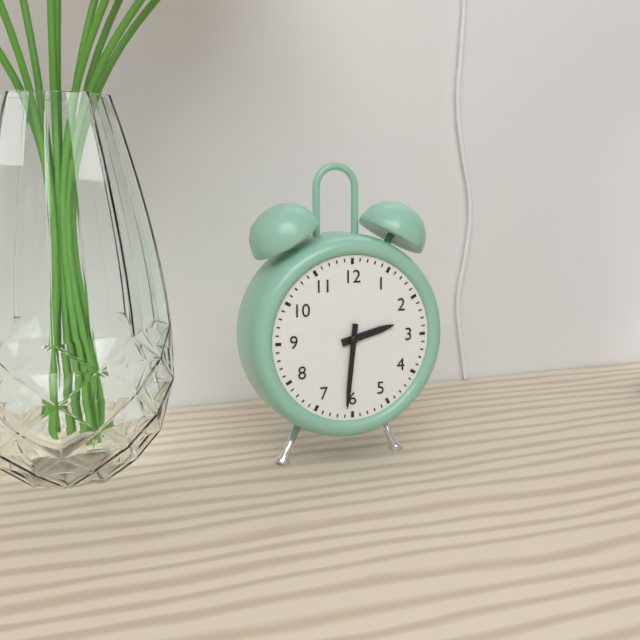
2:31
